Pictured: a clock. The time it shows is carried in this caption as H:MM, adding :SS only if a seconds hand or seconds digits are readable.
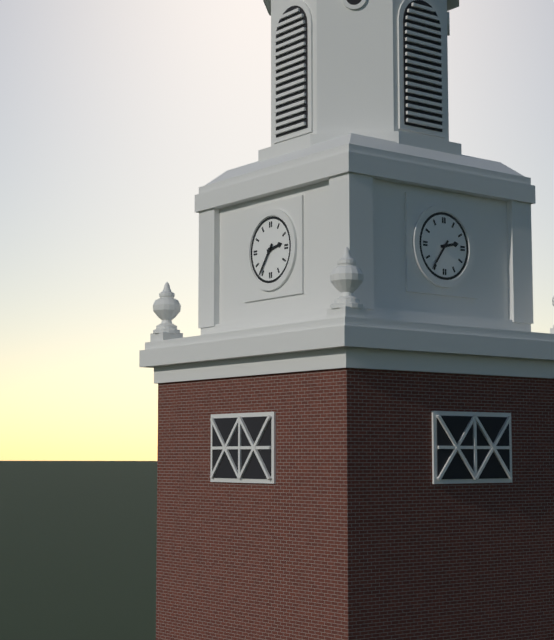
2:36
